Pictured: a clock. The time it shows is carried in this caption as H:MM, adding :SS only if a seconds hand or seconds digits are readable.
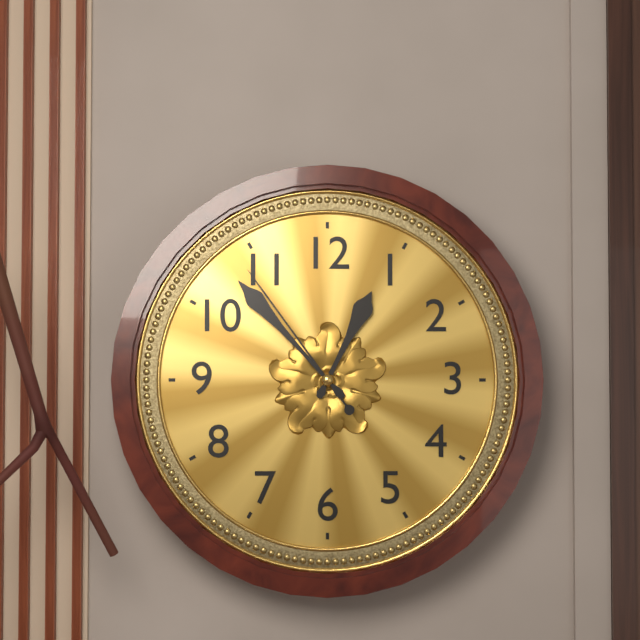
12:53:54
